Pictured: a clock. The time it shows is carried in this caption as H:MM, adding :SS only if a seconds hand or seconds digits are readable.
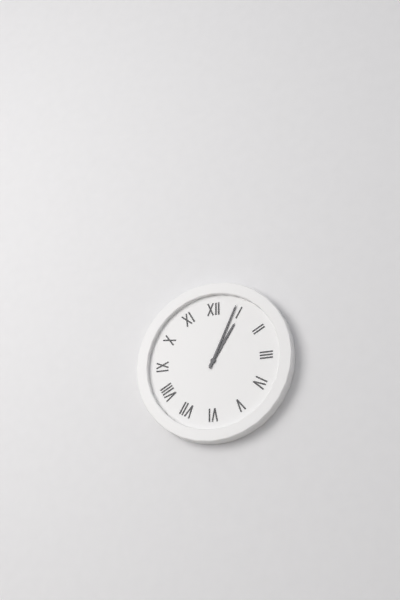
1:04
